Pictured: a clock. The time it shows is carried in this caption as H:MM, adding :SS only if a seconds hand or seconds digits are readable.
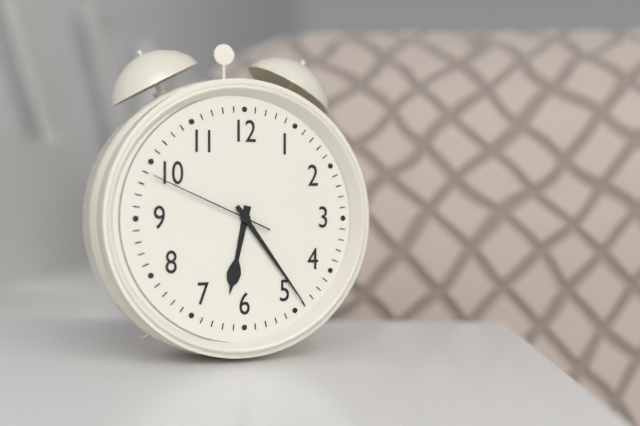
6:24:49
